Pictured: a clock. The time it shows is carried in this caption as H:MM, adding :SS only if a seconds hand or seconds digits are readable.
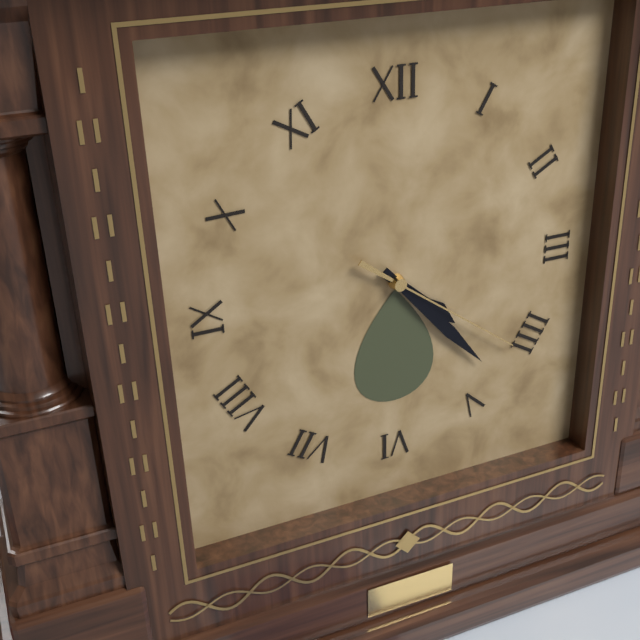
4:23:21
